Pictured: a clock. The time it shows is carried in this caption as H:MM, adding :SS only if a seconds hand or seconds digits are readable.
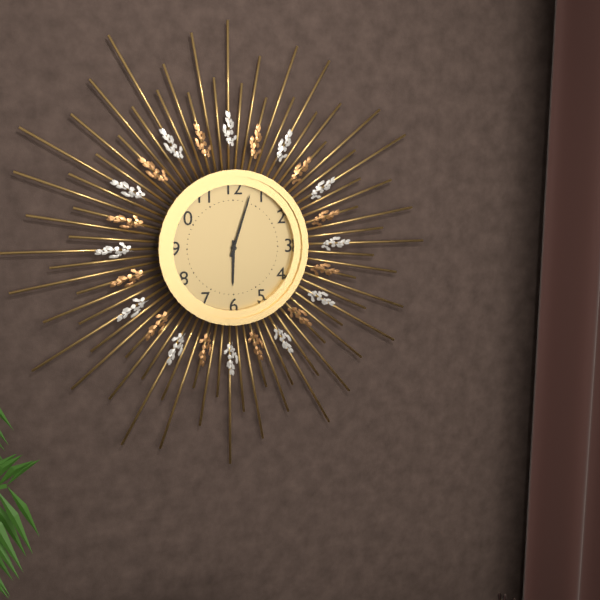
6:03
